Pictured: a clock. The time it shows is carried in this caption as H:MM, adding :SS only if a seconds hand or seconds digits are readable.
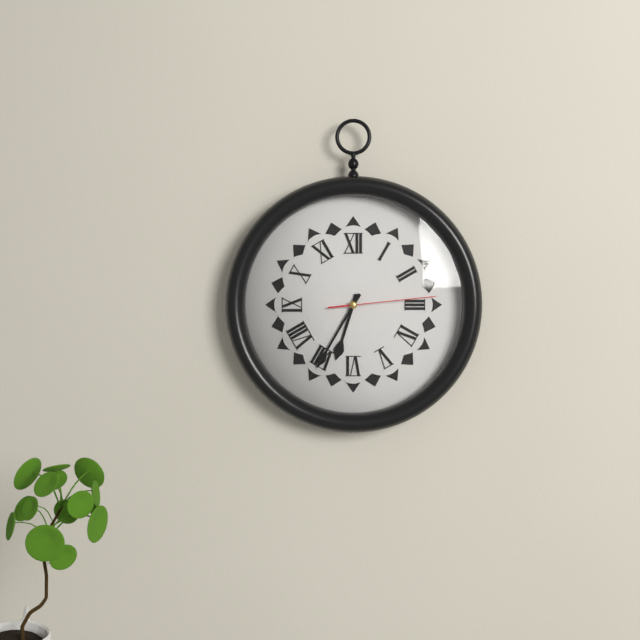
6:35:14
